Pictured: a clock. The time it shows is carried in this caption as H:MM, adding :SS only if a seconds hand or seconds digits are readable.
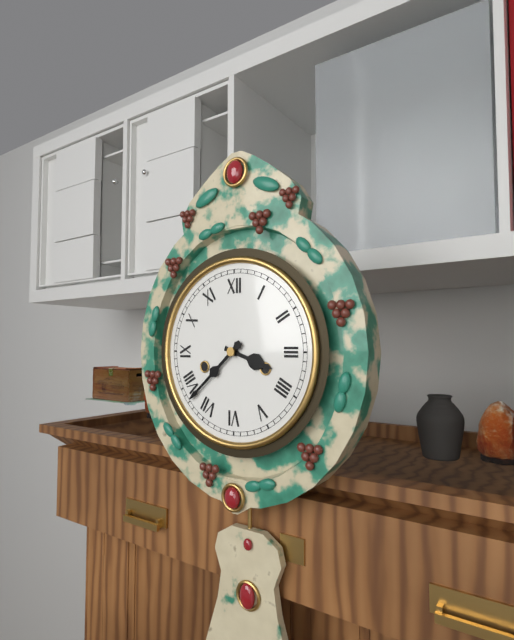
3:38
